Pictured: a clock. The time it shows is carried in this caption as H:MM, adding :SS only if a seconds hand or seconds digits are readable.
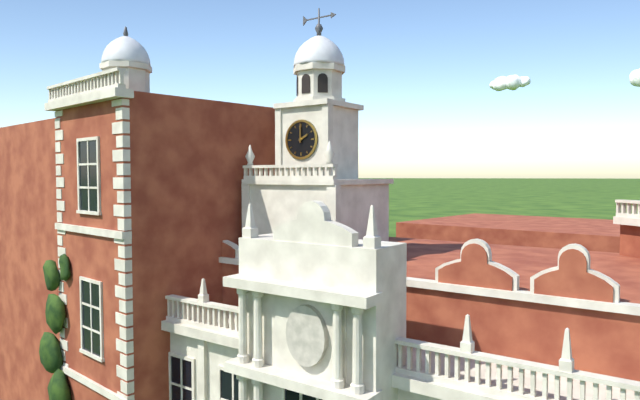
2:00
